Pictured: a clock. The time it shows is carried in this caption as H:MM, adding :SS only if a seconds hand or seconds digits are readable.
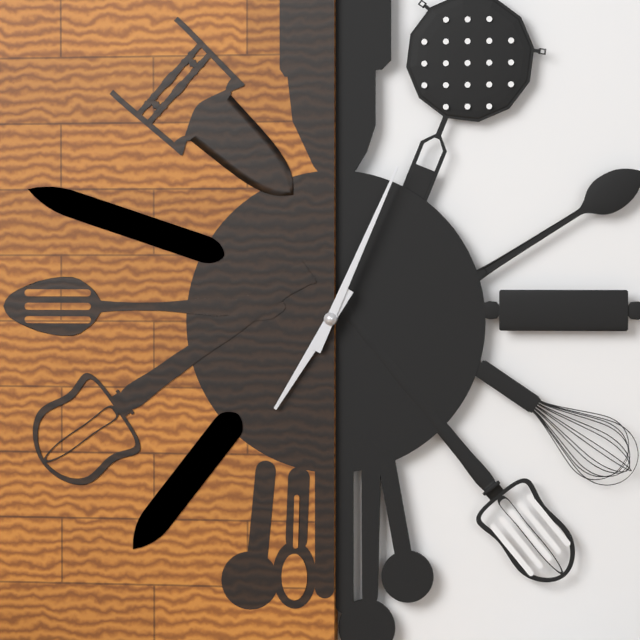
7:04
